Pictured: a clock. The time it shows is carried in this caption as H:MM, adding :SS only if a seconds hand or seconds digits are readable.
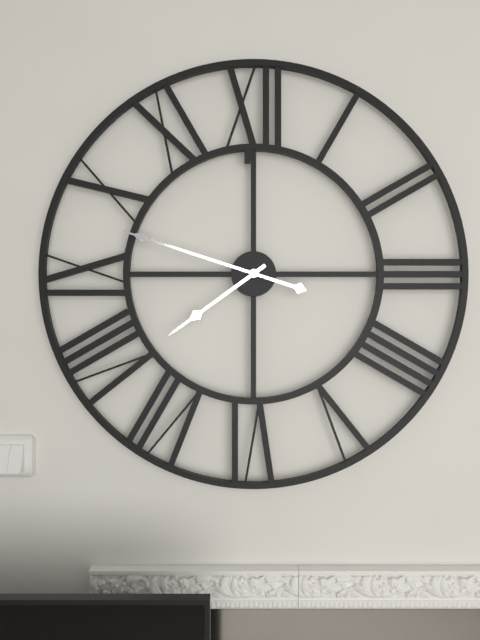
7:48
